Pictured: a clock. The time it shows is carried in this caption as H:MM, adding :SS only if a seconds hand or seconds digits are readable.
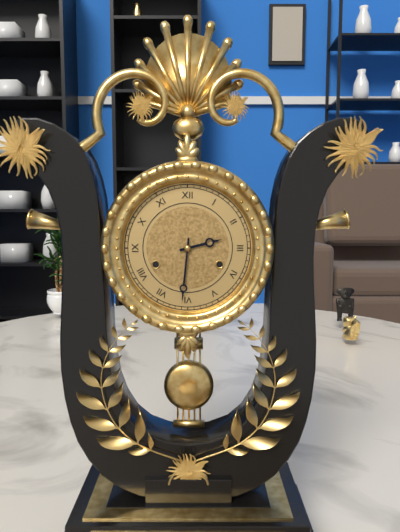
2:31
